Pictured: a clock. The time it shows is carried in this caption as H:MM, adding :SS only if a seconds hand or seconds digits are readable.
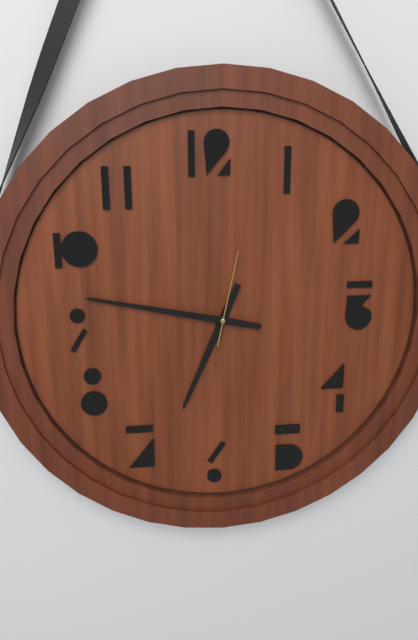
6:47:02
